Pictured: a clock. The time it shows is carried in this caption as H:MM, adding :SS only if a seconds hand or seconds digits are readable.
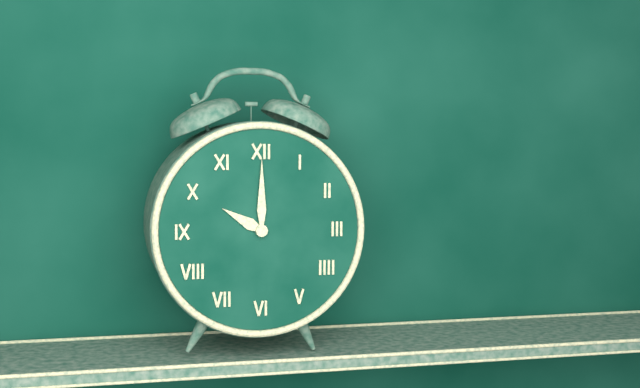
10:00
